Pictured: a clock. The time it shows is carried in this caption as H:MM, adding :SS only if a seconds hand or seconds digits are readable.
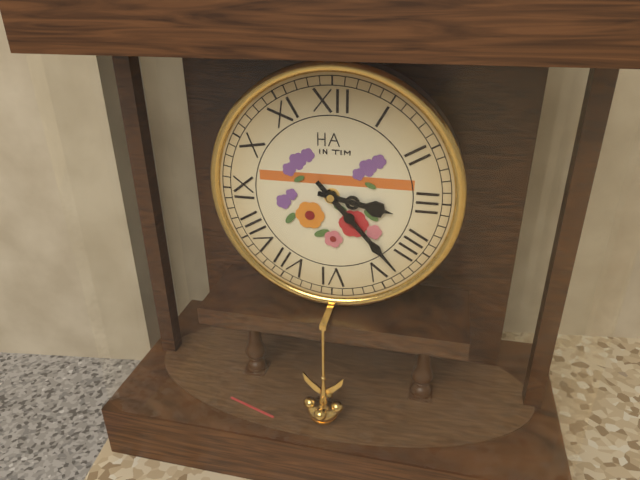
3:23
